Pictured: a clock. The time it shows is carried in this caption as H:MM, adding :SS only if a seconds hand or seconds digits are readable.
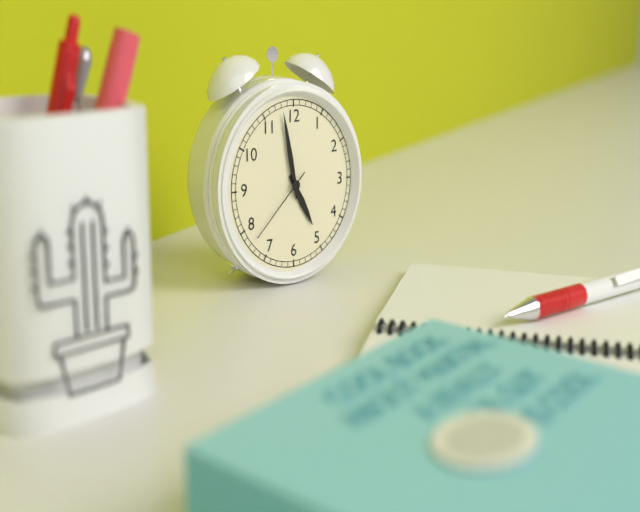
4:58:38
